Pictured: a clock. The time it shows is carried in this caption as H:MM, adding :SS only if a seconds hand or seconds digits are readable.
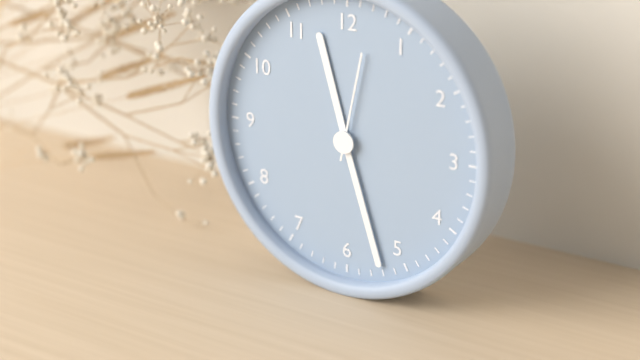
11:27:02
